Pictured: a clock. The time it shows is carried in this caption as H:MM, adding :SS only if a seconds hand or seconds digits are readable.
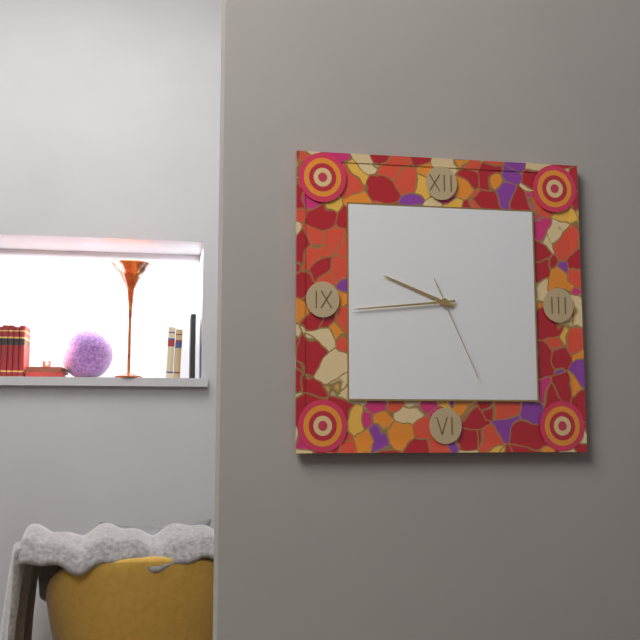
9:44:26
